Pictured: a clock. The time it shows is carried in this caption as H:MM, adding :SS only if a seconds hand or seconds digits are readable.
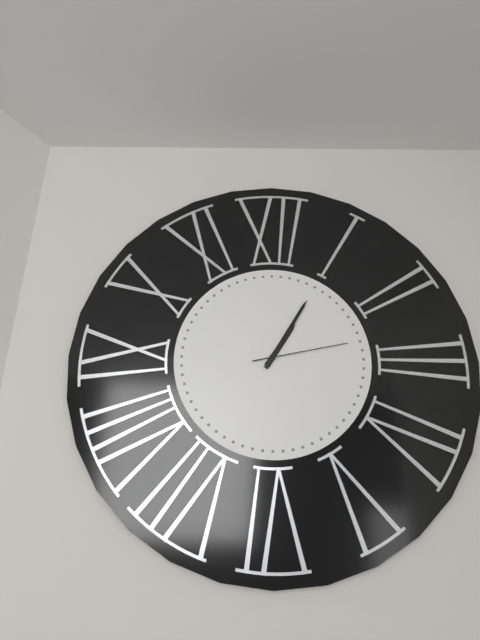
1:05:13
